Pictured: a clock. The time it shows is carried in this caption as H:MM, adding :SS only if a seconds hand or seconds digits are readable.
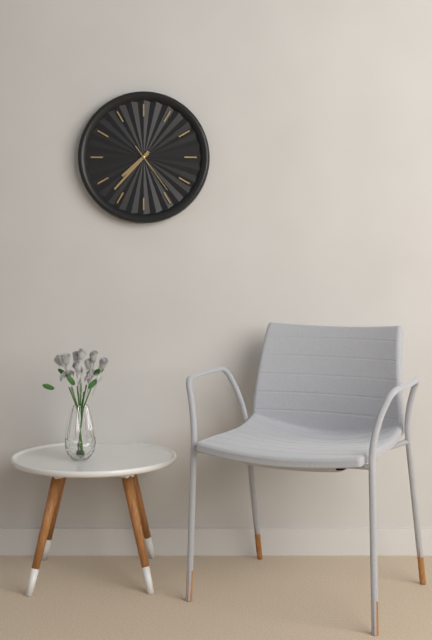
7:37:24
